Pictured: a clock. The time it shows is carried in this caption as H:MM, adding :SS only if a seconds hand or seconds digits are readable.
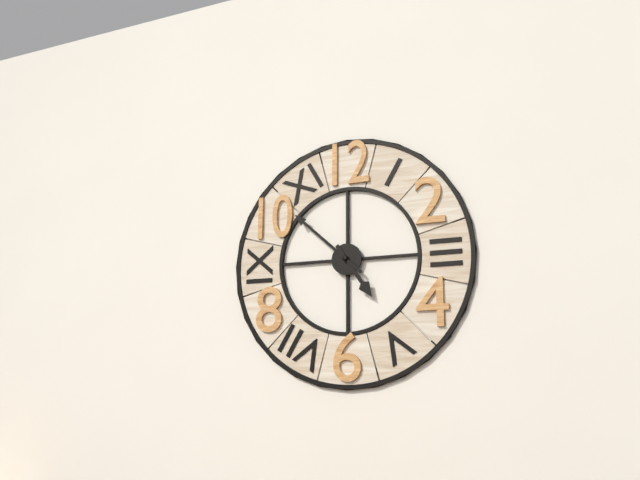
4:52
